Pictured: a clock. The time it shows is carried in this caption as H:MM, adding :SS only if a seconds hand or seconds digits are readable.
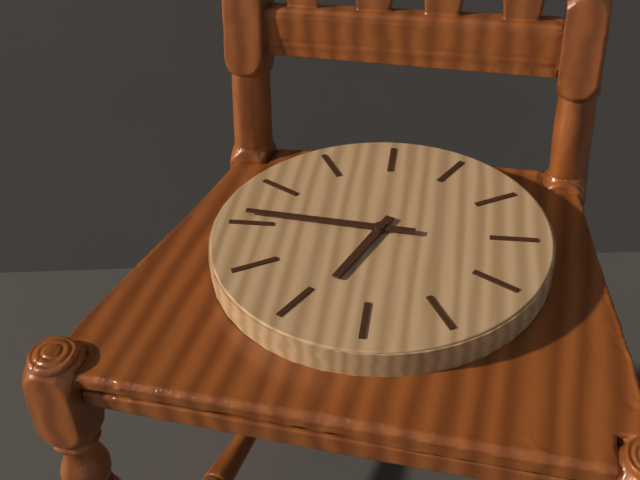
6:46
